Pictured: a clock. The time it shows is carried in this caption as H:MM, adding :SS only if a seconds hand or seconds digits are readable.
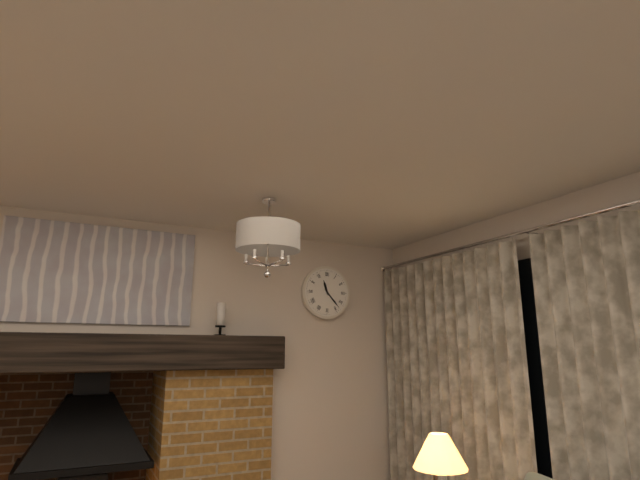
11:23
